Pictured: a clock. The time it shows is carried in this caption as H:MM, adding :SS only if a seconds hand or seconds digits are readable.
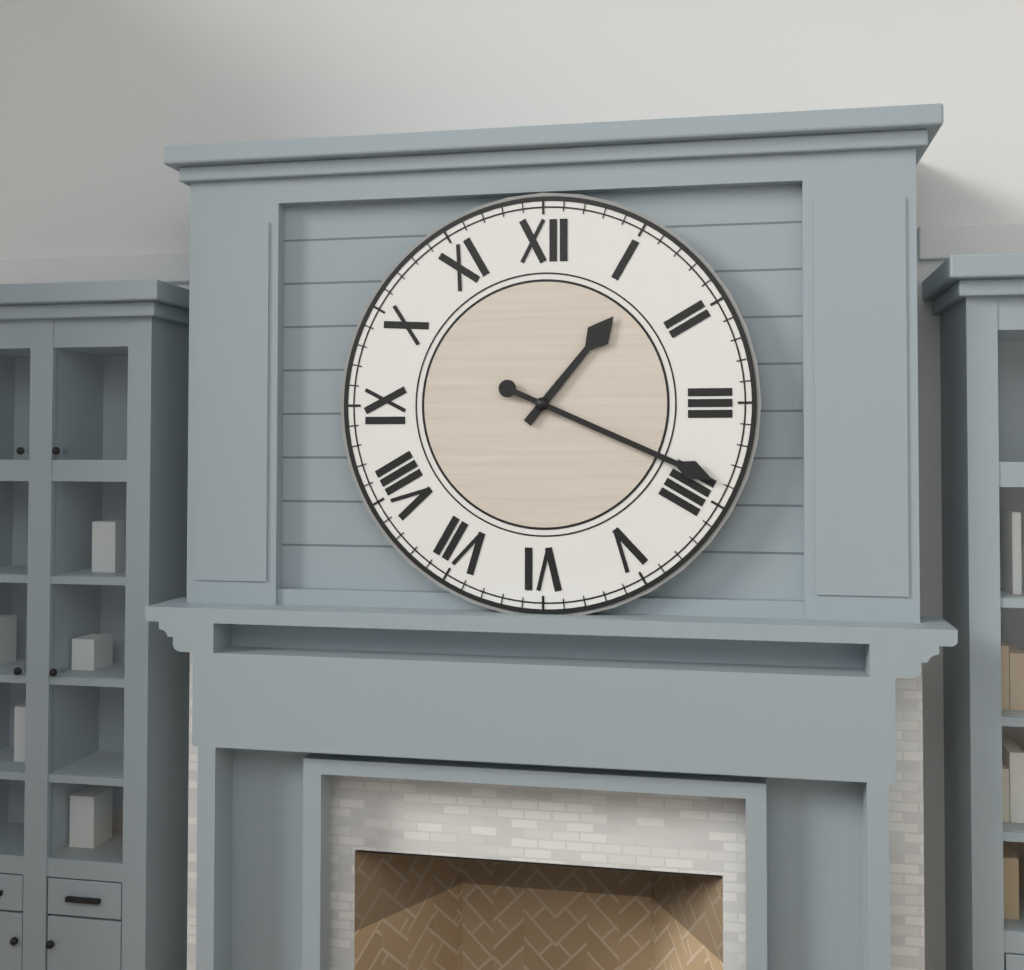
1:19
